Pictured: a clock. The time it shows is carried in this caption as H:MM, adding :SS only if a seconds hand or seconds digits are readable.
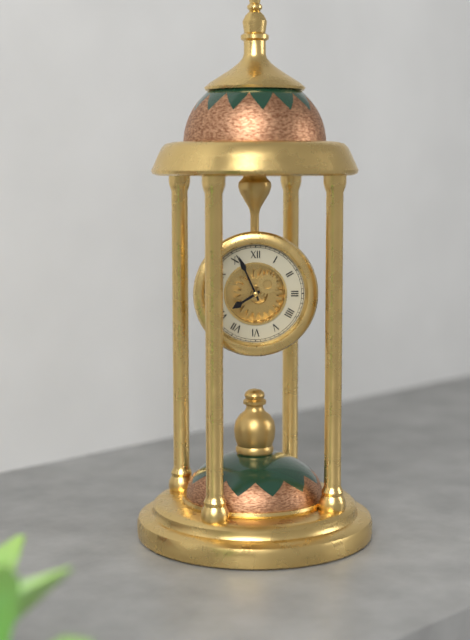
7:56
